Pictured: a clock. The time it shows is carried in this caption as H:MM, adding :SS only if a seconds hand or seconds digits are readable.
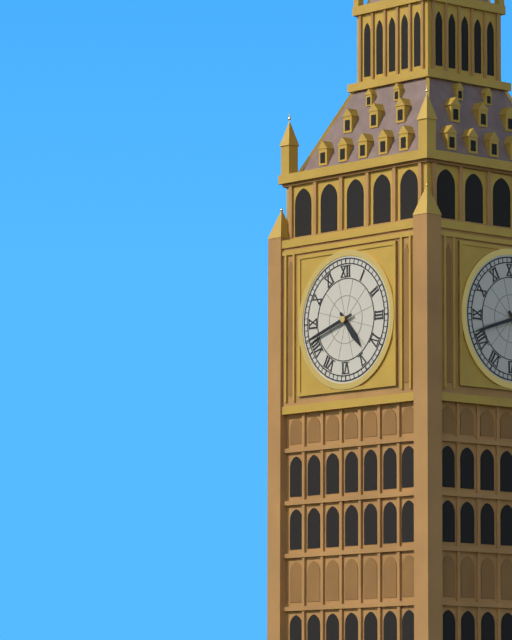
4:42
